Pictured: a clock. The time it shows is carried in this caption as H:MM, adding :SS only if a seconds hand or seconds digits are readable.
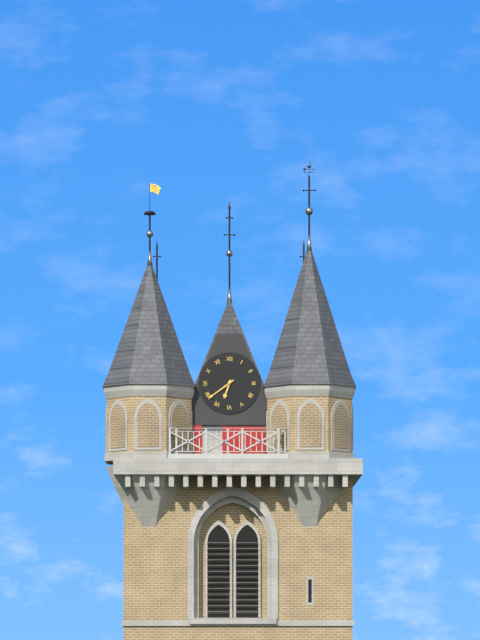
6:39
